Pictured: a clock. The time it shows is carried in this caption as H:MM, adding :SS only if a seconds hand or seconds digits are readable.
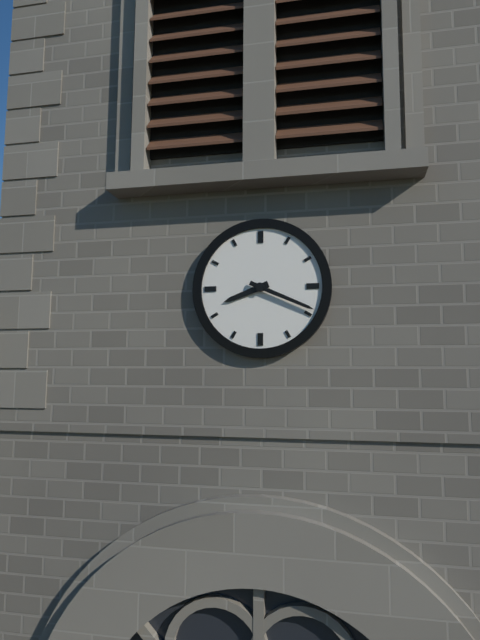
8:19
